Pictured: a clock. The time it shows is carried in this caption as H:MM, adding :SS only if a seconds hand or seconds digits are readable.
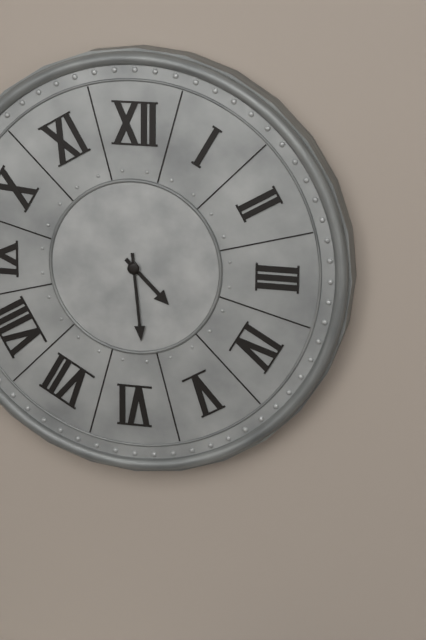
4:29
